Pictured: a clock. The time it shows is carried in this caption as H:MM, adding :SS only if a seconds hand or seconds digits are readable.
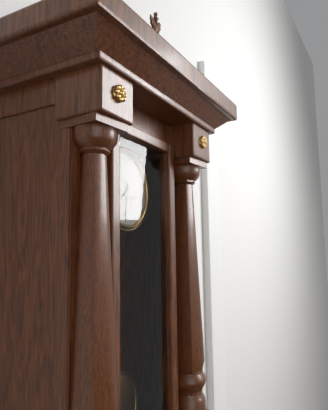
7:31
